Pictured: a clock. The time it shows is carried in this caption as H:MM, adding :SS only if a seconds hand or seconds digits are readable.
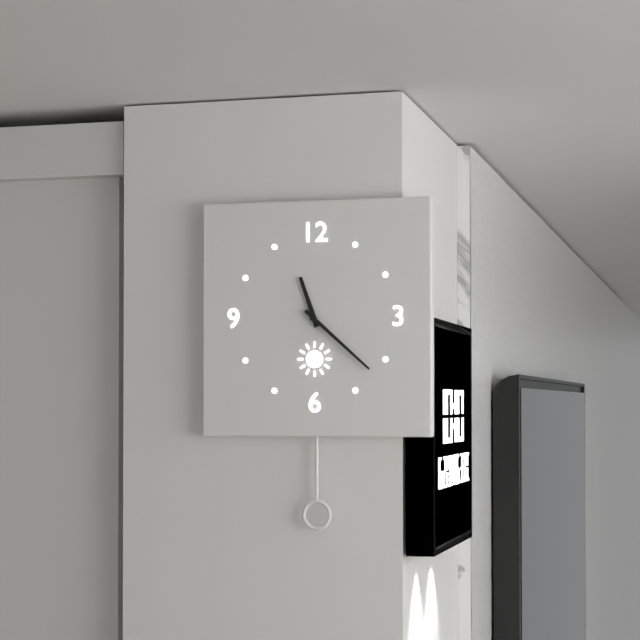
11:22
